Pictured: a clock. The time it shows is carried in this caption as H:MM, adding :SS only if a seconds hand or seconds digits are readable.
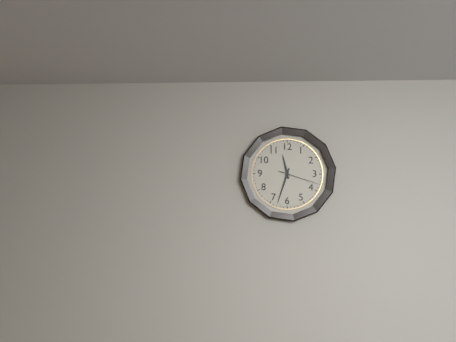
11:33
